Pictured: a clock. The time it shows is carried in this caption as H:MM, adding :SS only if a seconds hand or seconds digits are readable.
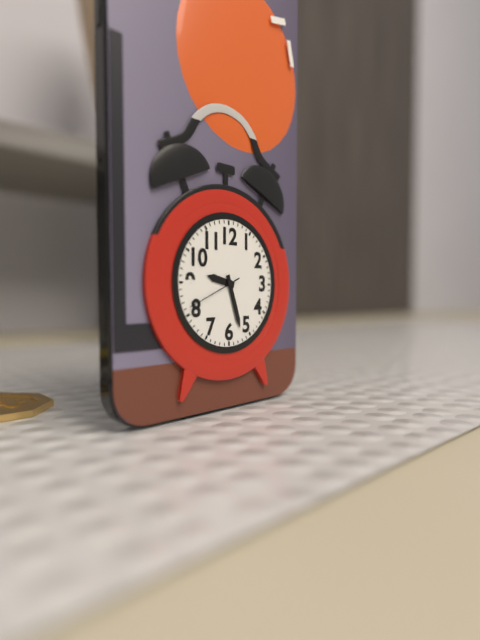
9:27:41
